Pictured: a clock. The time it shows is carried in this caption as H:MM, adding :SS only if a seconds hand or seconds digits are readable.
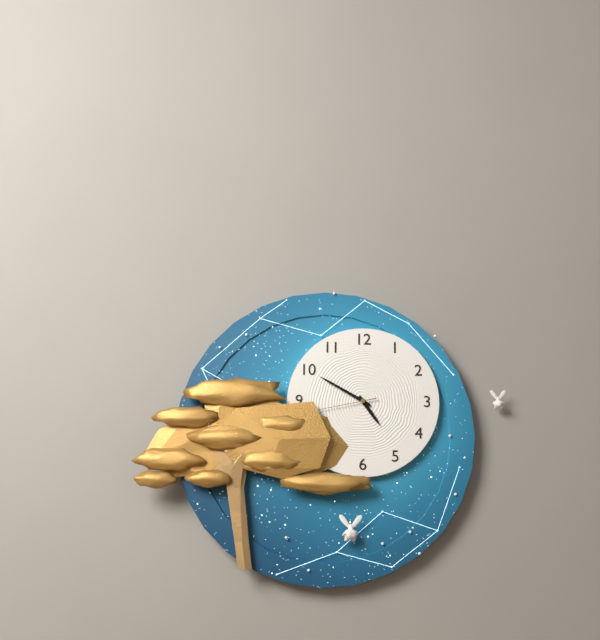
4:50:43
